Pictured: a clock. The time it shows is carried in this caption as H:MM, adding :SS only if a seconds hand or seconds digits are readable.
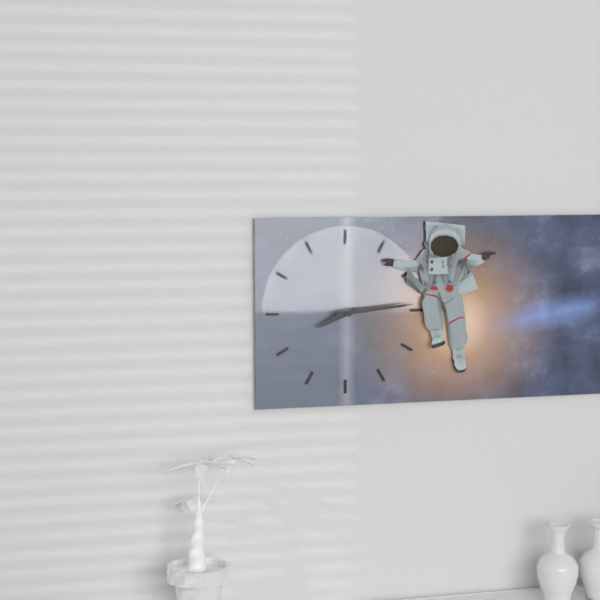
8:14
